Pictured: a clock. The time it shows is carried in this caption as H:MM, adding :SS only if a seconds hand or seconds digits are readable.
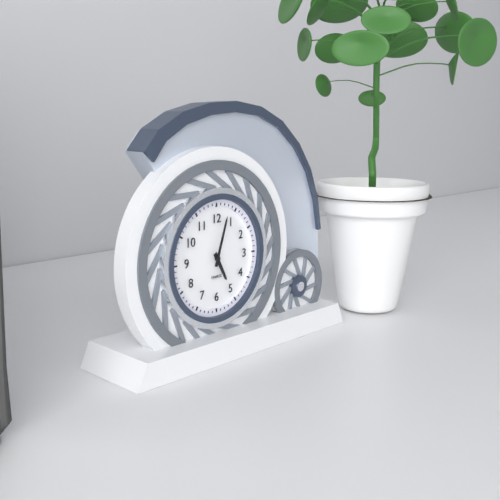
5:03
